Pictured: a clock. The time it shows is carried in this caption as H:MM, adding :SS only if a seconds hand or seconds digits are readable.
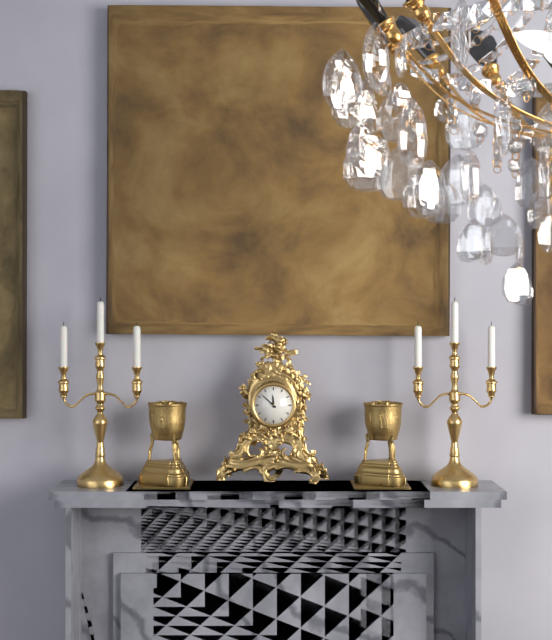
11:52
